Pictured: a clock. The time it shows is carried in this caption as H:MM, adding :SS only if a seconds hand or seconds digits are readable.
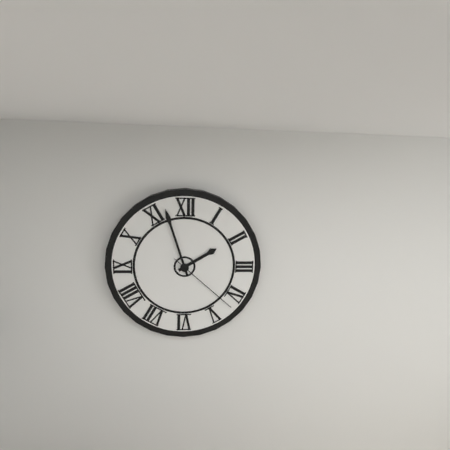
1:57:22
